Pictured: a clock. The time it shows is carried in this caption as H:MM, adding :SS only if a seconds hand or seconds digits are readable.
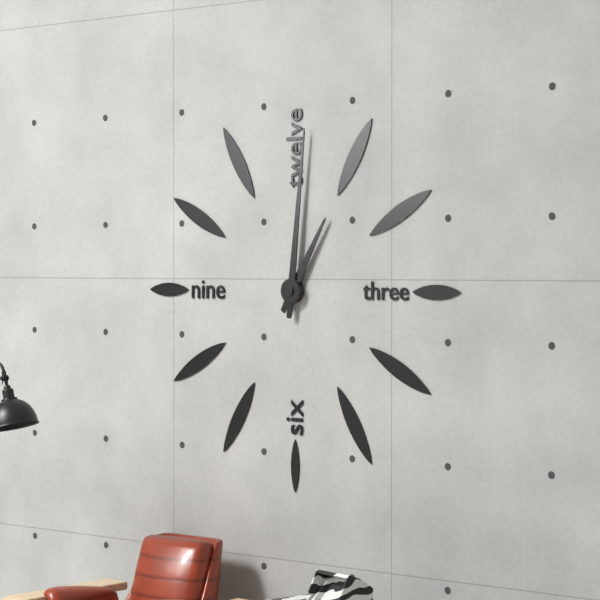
1:01
